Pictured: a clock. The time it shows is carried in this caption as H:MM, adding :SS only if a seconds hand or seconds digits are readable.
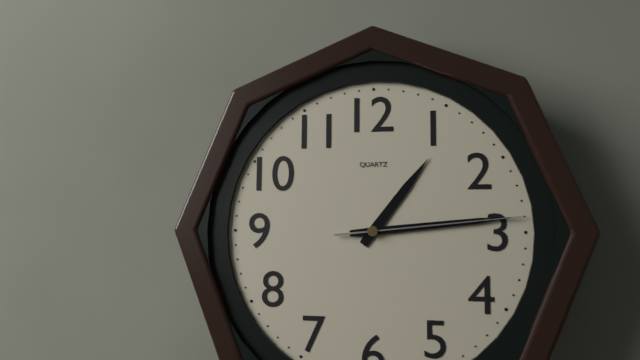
1:14:14
